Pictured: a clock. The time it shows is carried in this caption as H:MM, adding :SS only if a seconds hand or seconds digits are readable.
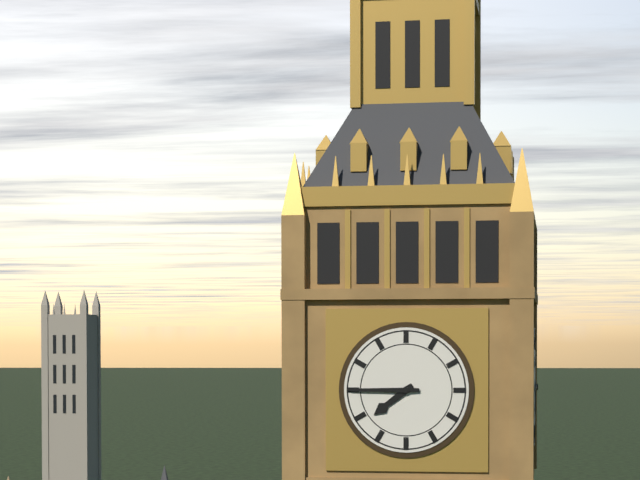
7:45
